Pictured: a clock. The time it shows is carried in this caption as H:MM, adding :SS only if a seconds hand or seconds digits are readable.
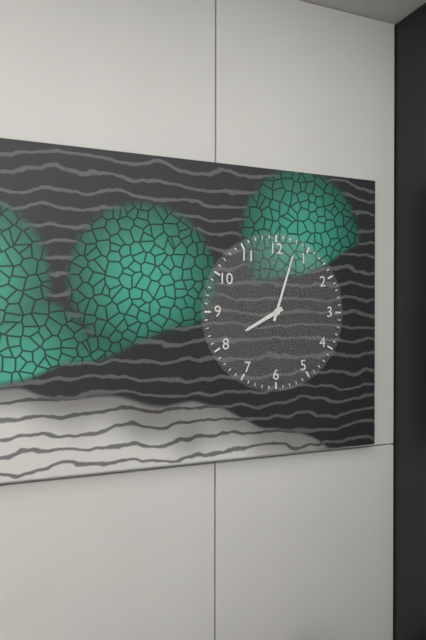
8:03
